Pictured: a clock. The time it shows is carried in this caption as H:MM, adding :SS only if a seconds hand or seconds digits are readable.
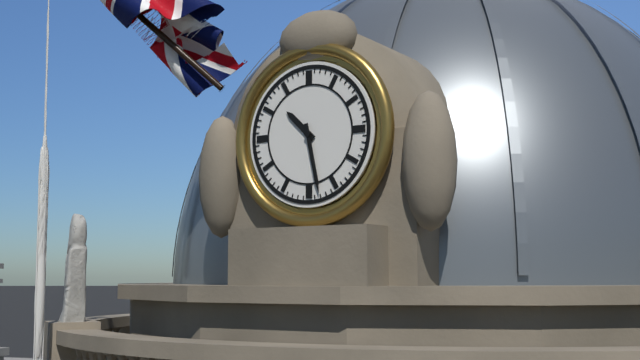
10:28
